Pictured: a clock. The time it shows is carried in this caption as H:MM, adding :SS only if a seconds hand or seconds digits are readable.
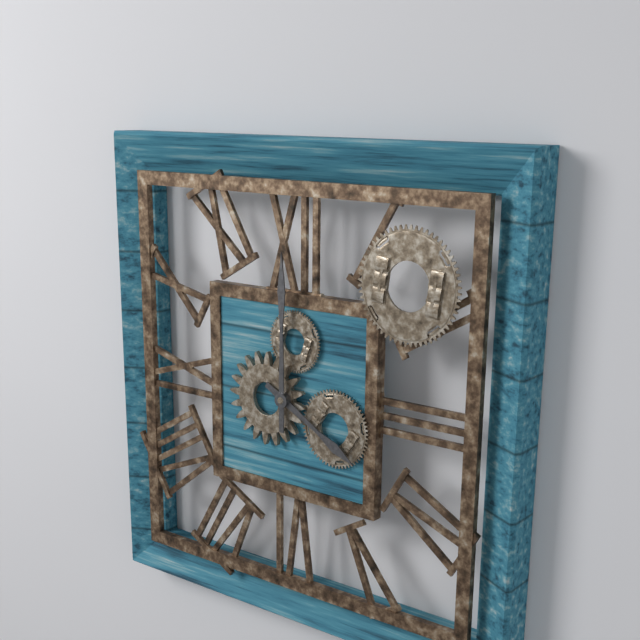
4:00
